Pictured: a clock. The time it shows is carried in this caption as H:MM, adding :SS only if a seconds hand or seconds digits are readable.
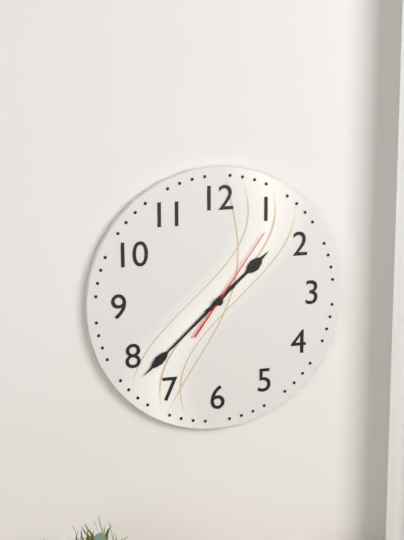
1:38:06
